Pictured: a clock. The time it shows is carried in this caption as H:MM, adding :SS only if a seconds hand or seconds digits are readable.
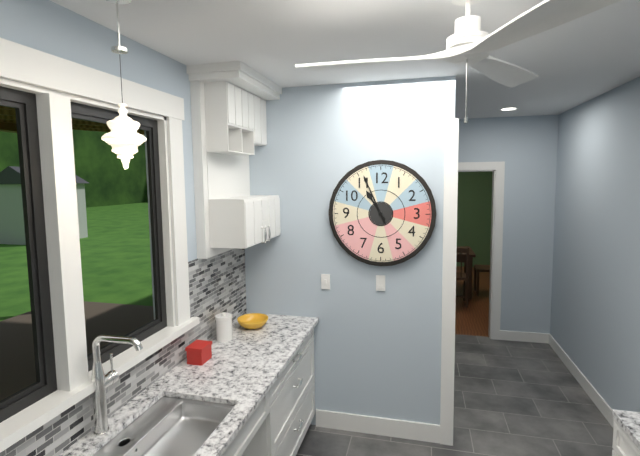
10:56
